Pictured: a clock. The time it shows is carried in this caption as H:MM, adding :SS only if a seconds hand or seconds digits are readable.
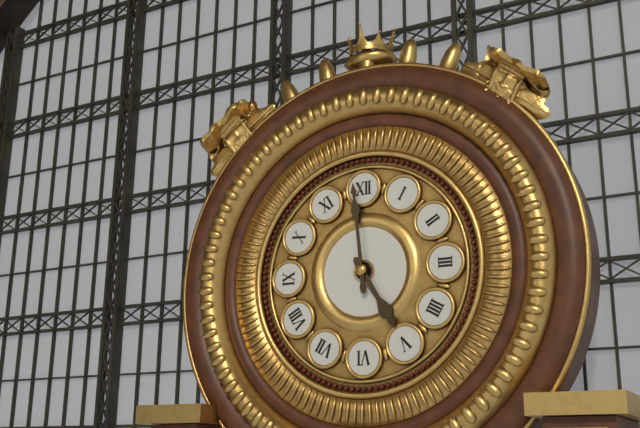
4:59
